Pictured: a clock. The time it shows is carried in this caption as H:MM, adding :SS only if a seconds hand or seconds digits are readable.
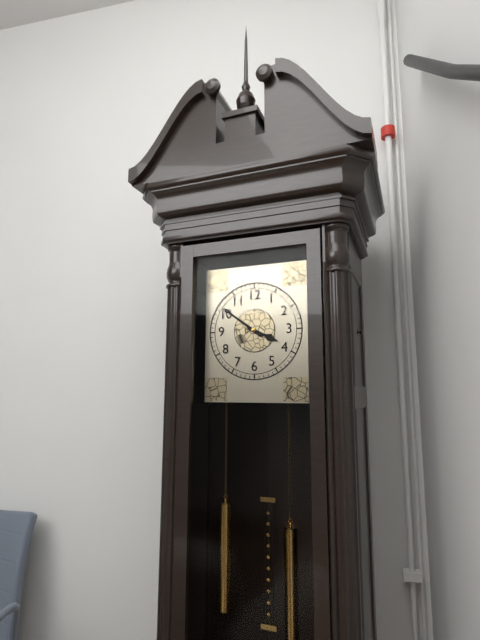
3:51
